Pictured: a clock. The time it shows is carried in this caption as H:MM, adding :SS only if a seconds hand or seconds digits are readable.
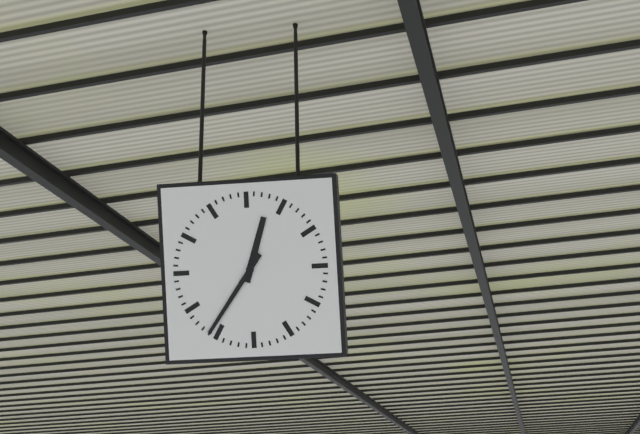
12:36
